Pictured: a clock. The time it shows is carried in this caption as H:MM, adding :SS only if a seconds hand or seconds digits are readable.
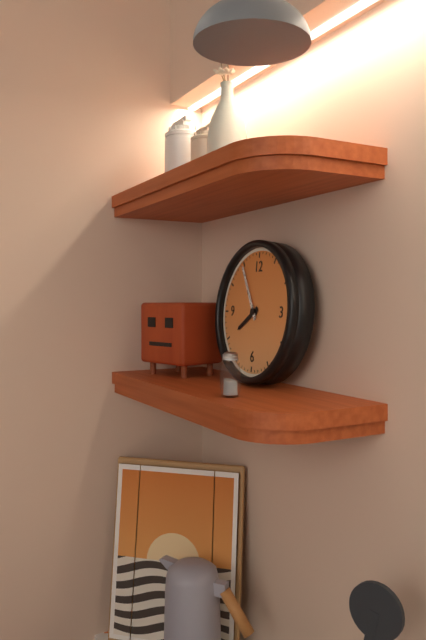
7:55
